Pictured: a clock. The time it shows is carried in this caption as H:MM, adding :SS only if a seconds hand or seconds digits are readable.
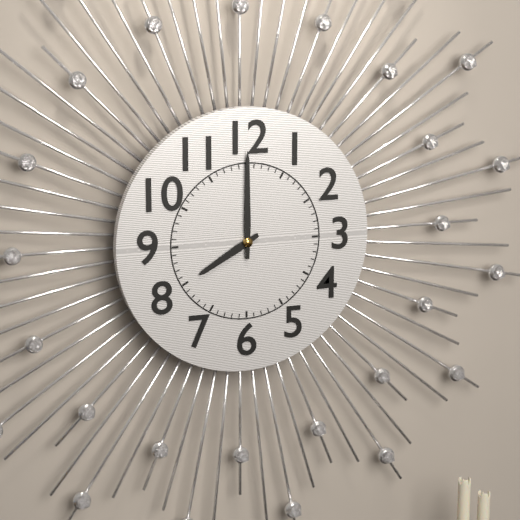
8:00
